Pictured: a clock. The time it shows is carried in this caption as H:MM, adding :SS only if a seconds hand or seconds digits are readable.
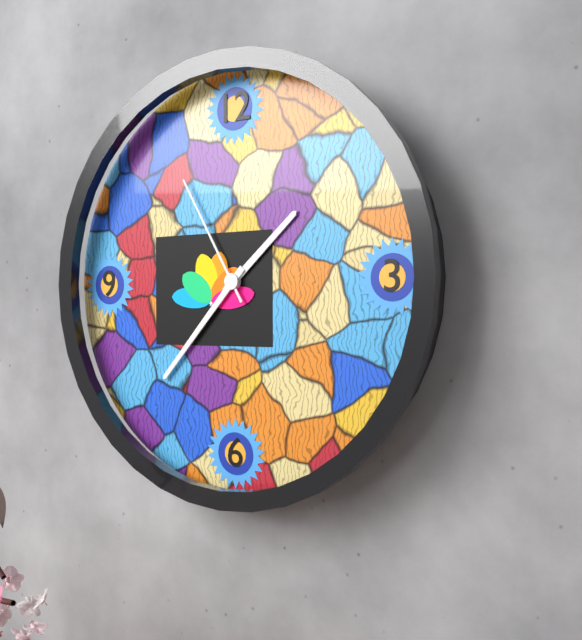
1:37:55
